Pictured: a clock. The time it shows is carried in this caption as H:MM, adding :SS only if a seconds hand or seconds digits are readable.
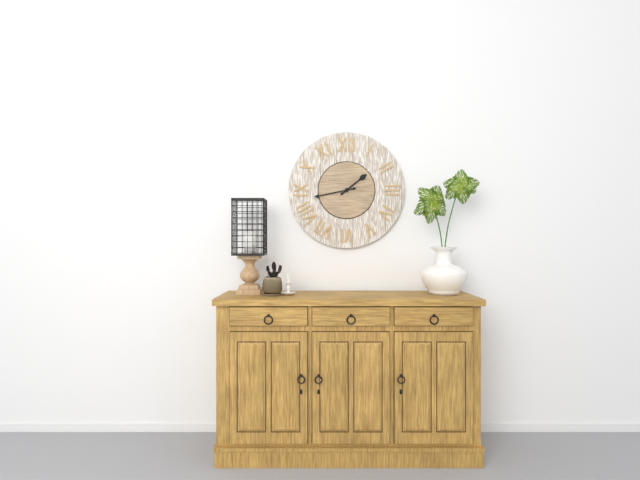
1:43
